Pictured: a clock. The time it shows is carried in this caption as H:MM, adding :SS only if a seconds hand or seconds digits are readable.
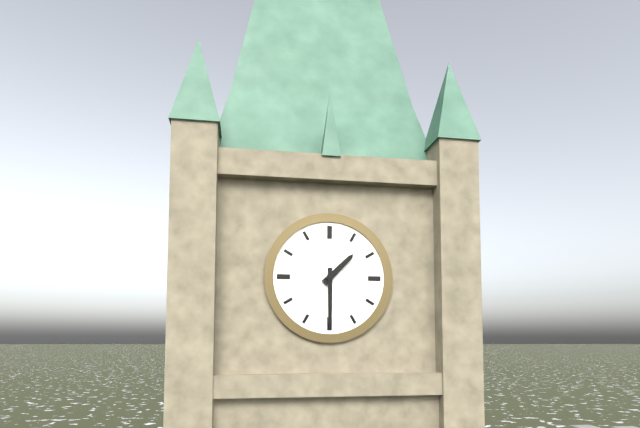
1:30
